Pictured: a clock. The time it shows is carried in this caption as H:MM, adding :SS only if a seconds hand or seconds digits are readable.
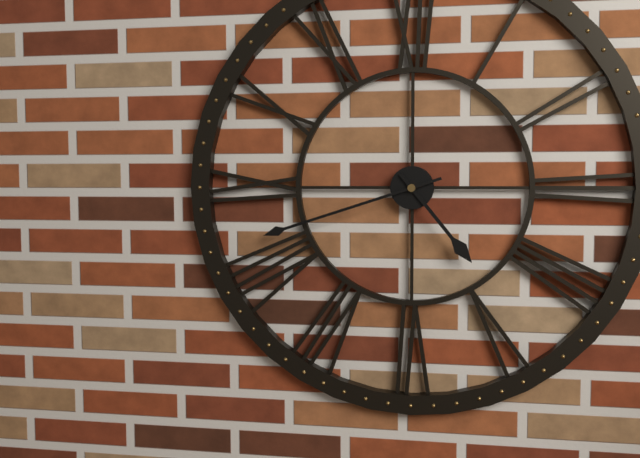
4:42
